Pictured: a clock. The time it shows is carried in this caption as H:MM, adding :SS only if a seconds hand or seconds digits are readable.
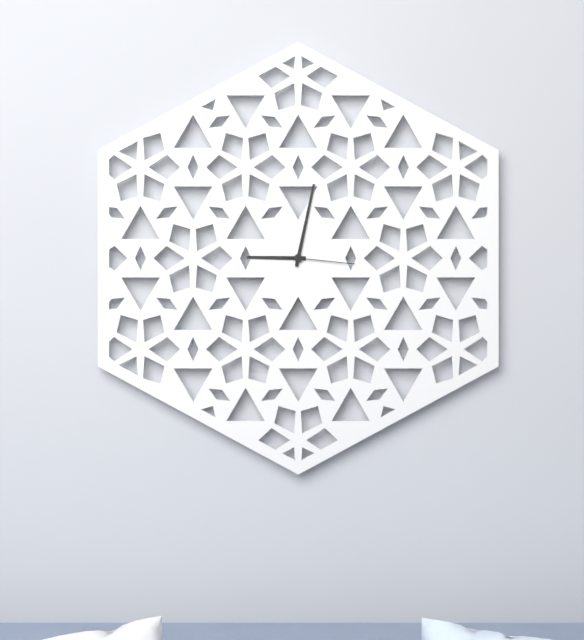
9:02:16
